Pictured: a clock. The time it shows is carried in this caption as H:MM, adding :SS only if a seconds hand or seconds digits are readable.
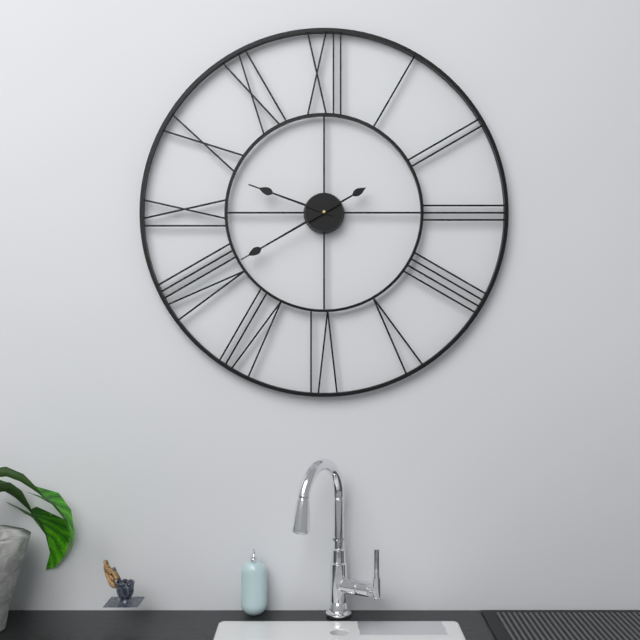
9:40
